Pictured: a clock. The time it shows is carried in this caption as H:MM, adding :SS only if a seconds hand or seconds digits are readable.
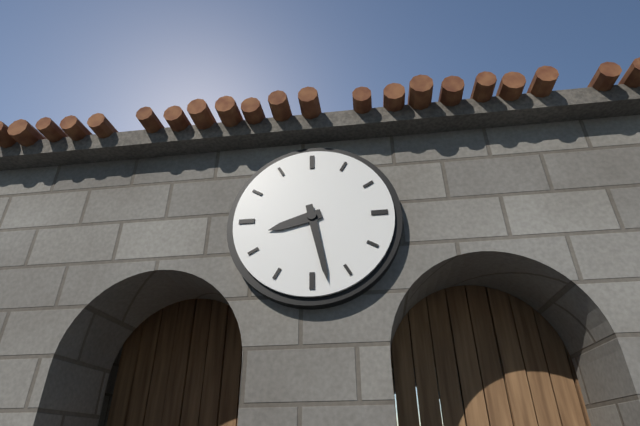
8:28
